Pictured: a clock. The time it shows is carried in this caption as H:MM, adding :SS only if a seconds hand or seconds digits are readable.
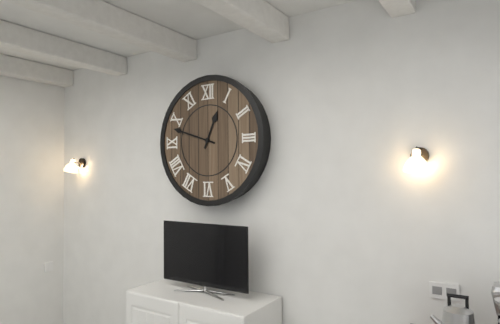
12:48
